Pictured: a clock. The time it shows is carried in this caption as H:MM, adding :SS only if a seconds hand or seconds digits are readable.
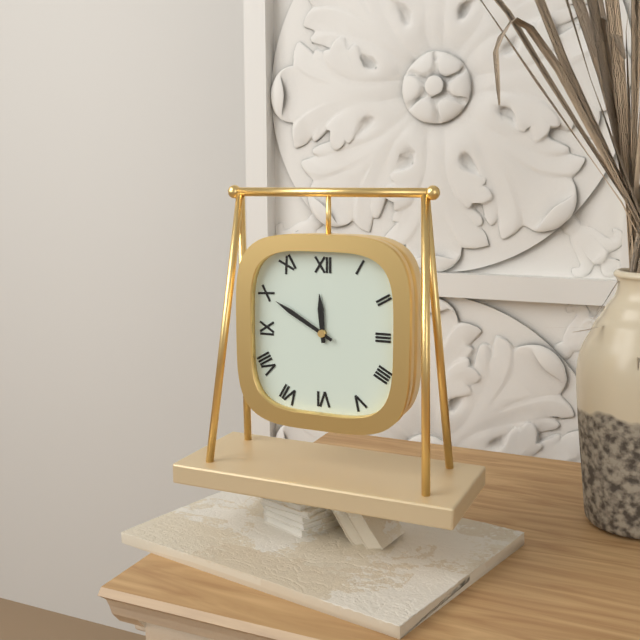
11:50
